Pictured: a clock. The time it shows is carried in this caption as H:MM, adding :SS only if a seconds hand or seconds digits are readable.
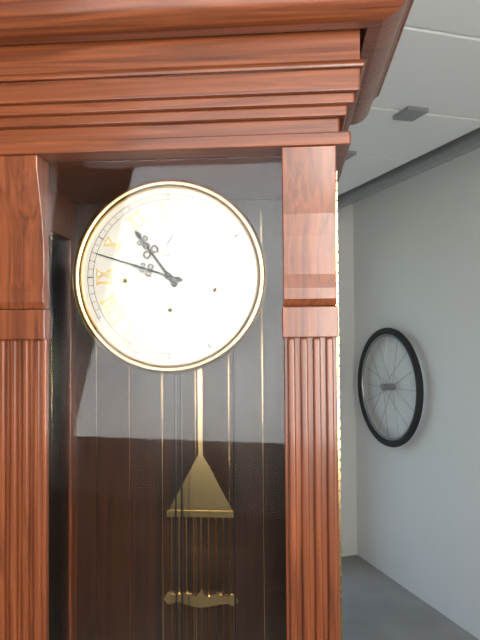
10:48
